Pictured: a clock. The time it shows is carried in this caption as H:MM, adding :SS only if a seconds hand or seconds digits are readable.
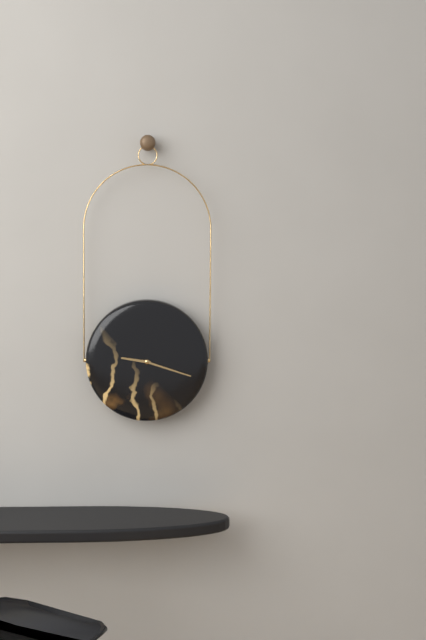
9:18
